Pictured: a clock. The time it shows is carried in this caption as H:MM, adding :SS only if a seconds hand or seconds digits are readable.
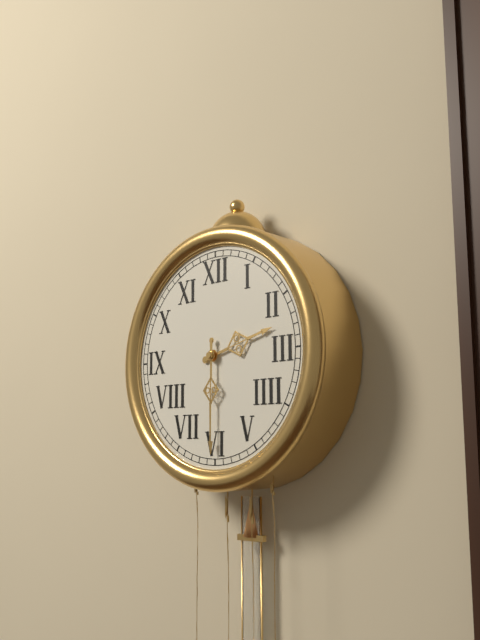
2:30
